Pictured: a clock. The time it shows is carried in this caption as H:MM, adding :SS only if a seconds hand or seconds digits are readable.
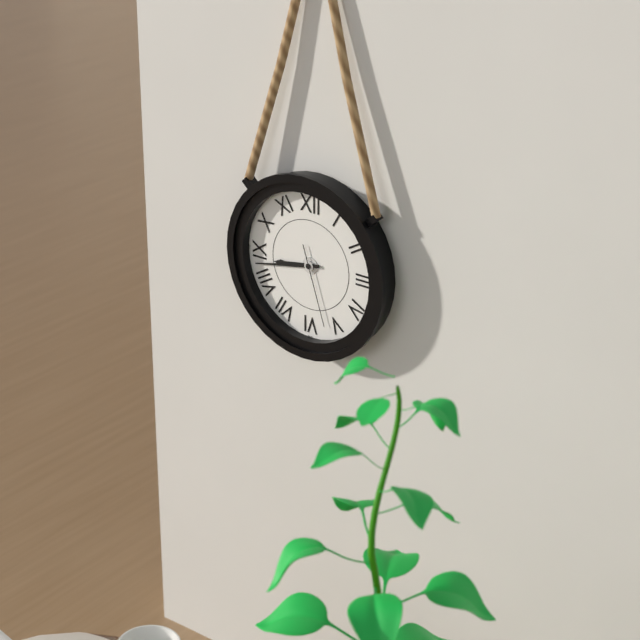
8:43:27
